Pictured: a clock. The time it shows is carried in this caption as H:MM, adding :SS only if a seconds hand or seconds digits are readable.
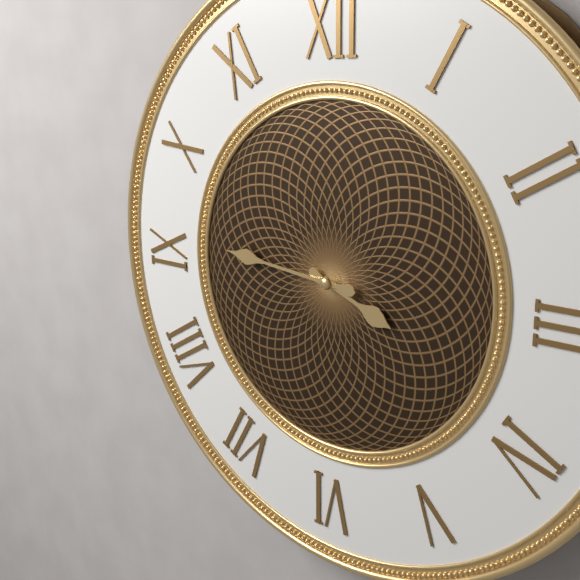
3:46
